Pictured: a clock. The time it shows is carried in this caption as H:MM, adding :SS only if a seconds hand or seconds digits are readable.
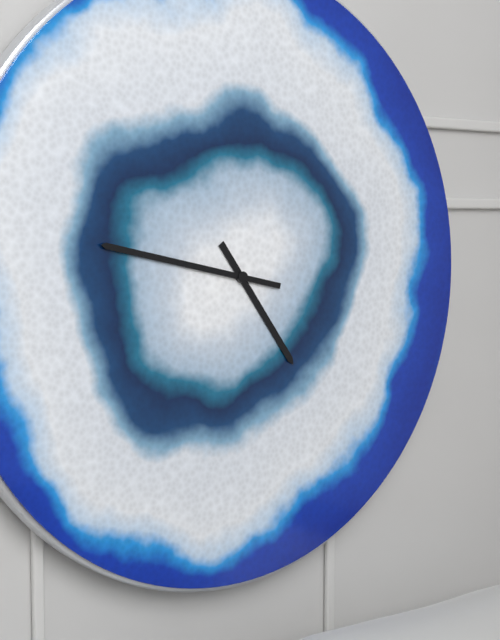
4:47
